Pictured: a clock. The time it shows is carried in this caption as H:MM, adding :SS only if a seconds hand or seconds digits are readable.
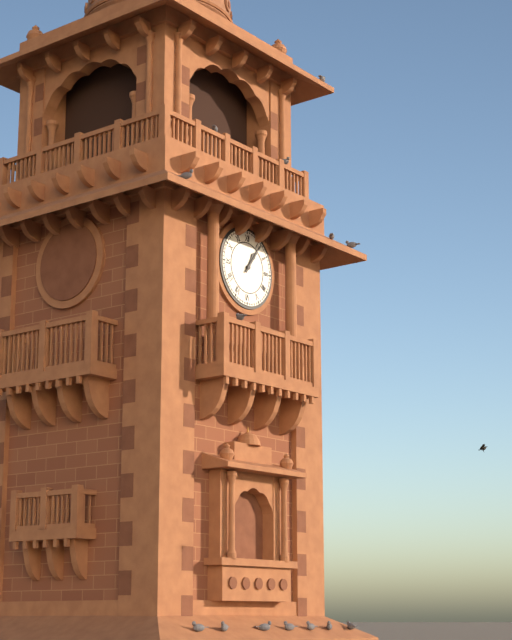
1:06
